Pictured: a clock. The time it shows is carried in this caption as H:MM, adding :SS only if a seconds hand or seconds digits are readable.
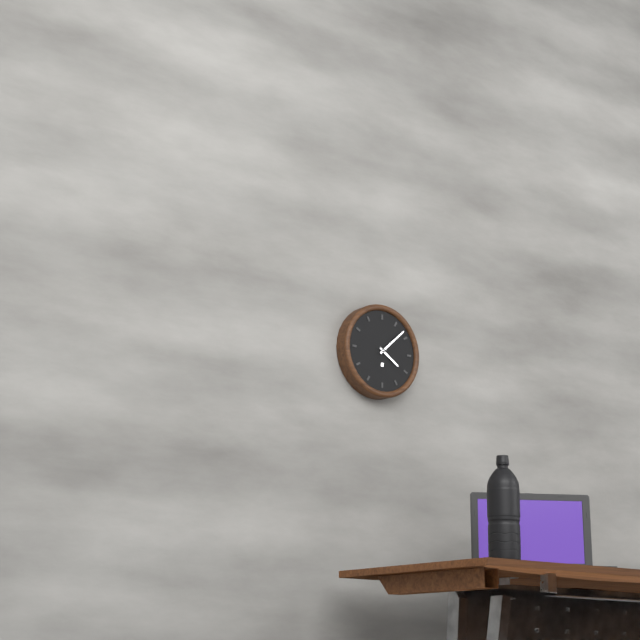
4:08
